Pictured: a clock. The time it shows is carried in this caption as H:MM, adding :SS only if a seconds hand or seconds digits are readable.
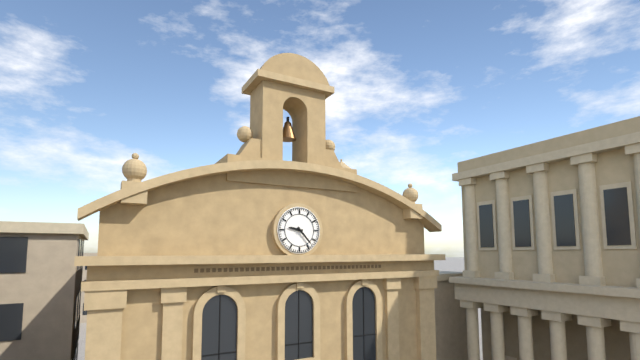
9:23
